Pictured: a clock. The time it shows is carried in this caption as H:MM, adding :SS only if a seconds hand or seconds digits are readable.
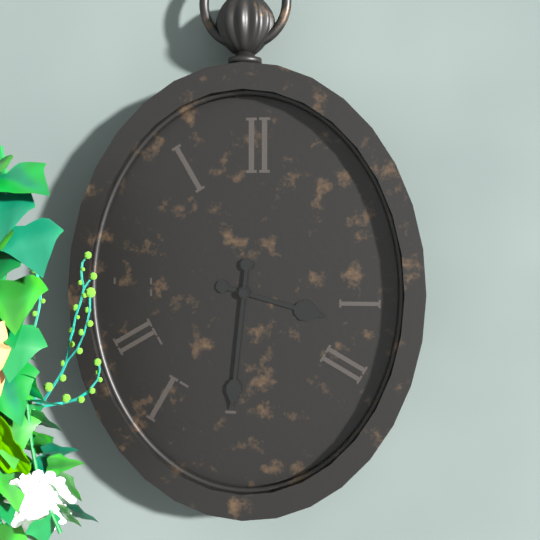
3:31
